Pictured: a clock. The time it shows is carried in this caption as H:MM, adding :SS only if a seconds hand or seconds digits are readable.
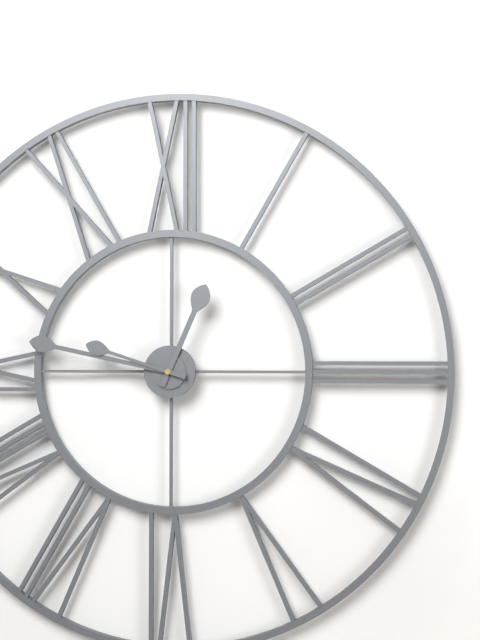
12:47:48
